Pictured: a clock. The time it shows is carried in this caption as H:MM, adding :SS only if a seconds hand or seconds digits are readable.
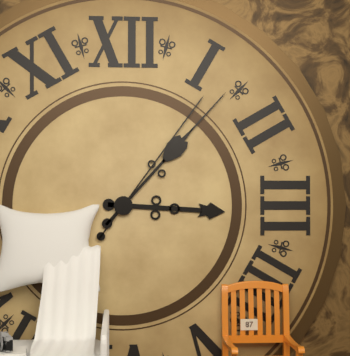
3:07:06
